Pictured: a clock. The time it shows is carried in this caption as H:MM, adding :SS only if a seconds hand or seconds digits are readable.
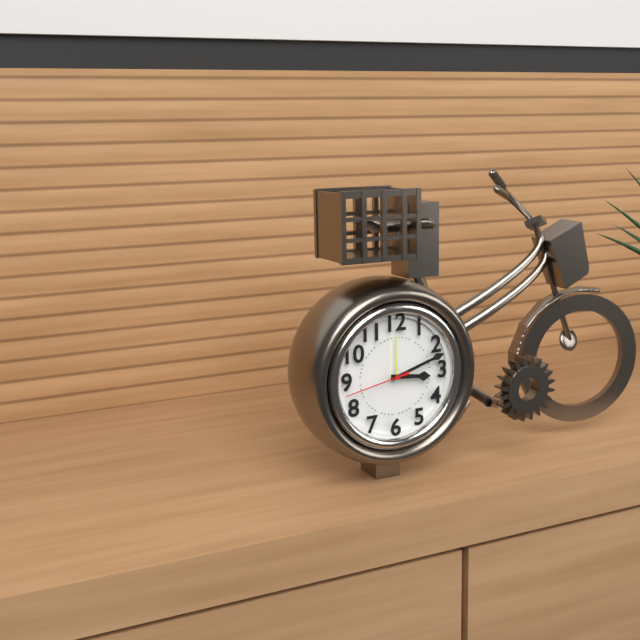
3:12:43
